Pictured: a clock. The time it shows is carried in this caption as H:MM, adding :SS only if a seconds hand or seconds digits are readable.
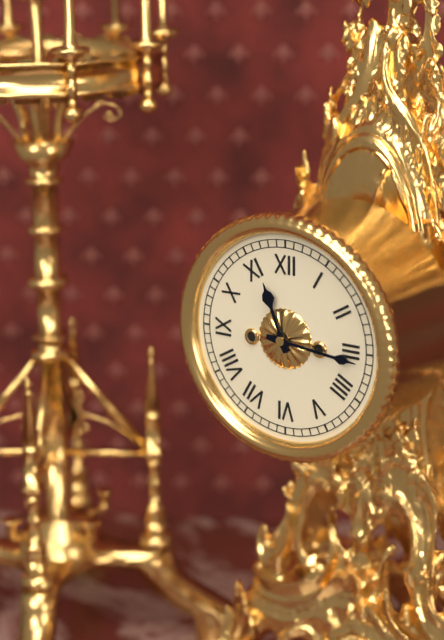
11:16
